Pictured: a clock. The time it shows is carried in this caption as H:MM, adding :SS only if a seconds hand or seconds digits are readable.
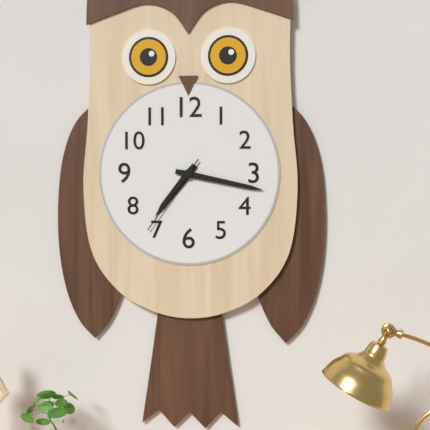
7:17:36
